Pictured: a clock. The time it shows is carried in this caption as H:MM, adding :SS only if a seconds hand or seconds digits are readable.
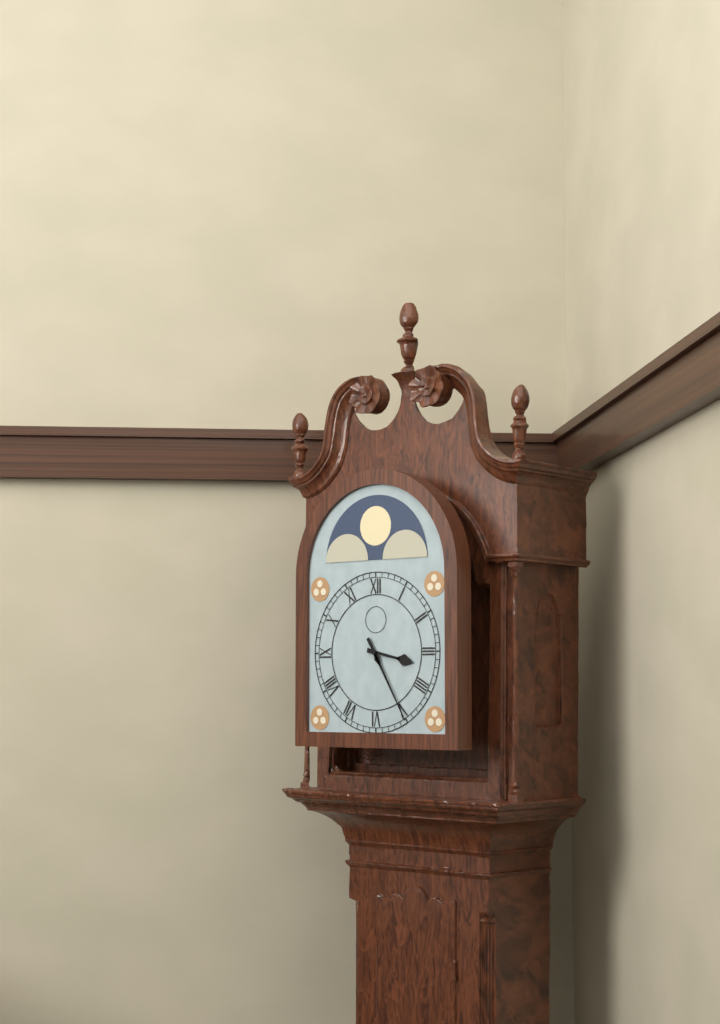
3:25
